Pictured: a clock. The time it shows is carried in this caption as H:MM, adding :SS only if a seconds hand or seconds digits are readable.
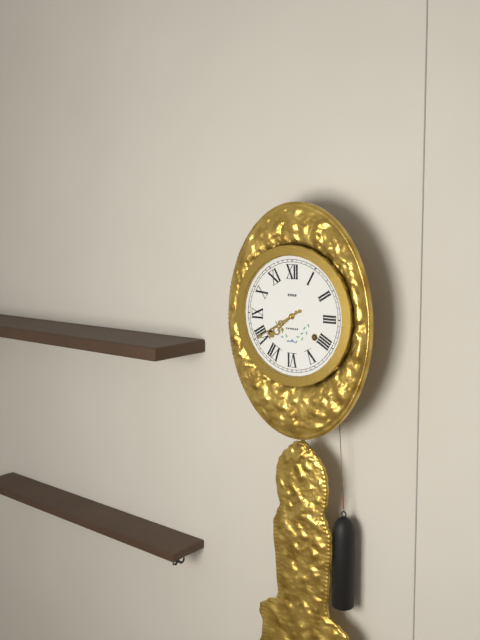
7:40
